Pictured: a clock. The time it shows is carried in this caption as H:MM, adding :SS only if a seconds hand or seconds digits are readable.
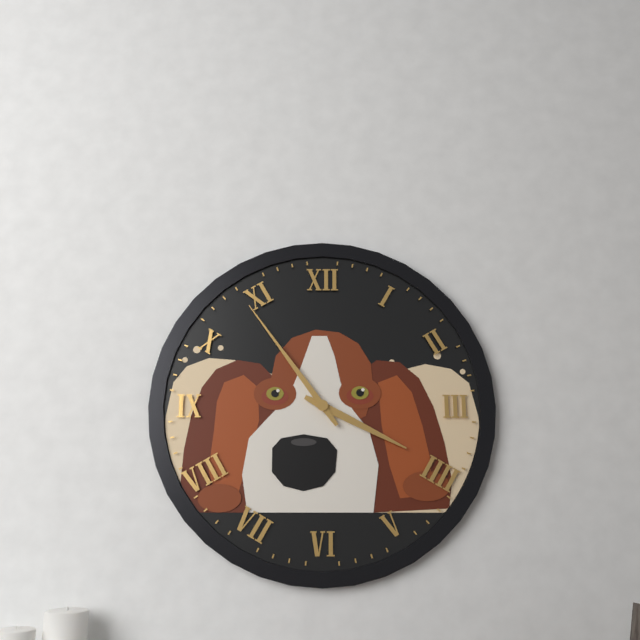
3:54
